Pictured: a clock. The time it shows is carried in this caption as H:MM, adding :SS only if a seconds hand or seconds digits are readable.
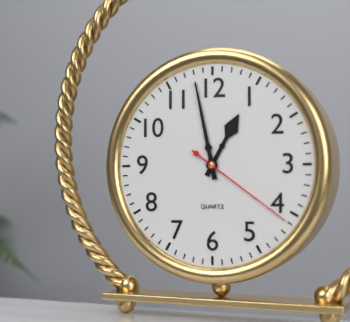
12:58:21
